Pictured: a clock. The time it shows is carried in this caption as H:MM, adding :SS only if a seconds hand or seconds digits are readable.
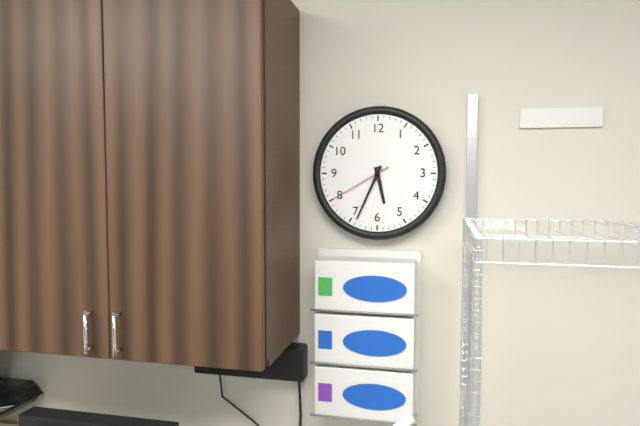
5:34:40
